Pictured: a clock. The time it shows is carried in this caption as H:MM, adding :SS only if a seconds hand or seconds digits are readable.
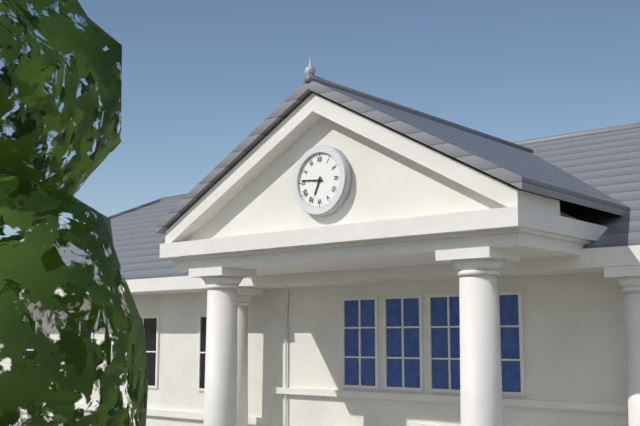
6:46
